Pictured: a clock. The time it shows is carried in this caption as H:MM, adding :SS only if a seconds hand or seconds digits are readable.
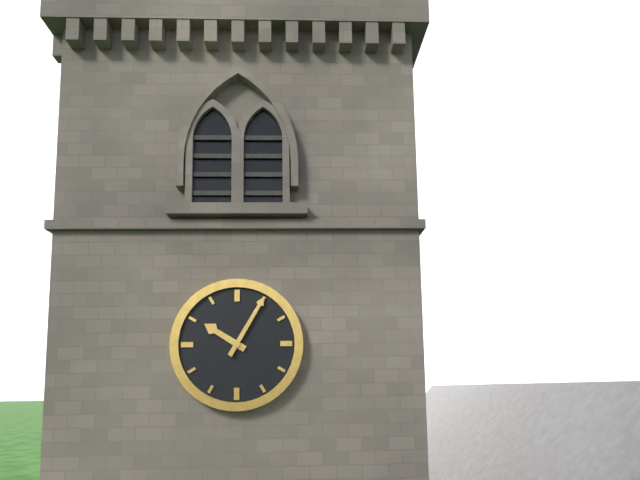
10:05
